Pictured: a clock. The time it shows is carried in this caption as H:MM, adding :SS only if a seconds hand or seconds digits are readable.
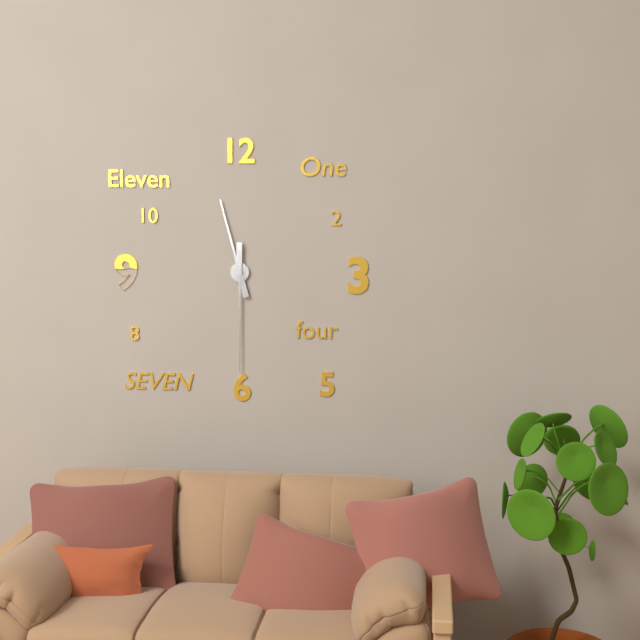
11:30
